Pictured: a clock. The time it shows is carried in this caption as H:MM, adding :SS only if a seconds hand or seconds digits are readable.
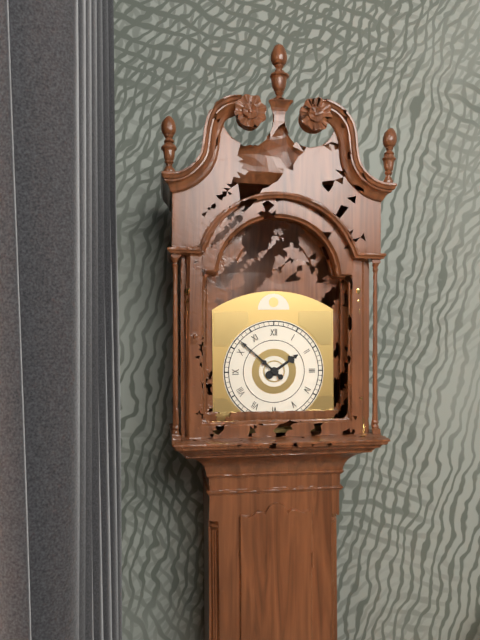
1:52
